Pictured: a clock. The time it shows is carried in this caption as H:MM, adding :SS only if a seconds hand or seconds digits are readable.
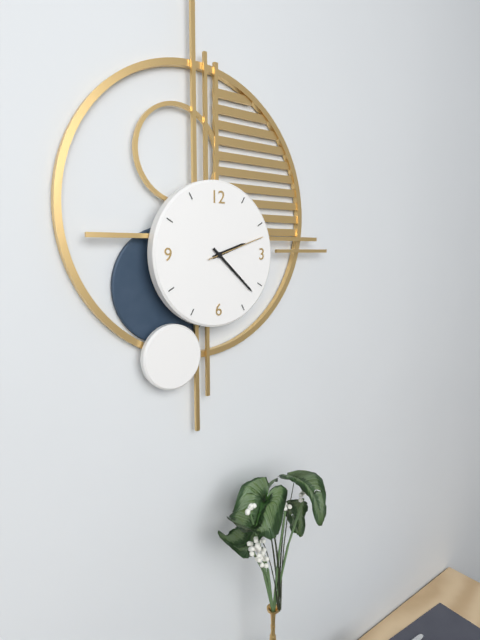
2:22:12
